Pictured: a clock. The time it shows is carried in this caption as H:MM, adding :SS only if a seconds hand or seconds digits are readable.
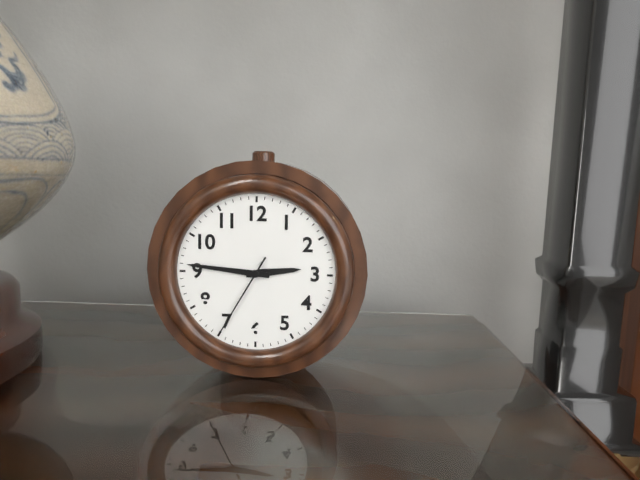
2:46:35
